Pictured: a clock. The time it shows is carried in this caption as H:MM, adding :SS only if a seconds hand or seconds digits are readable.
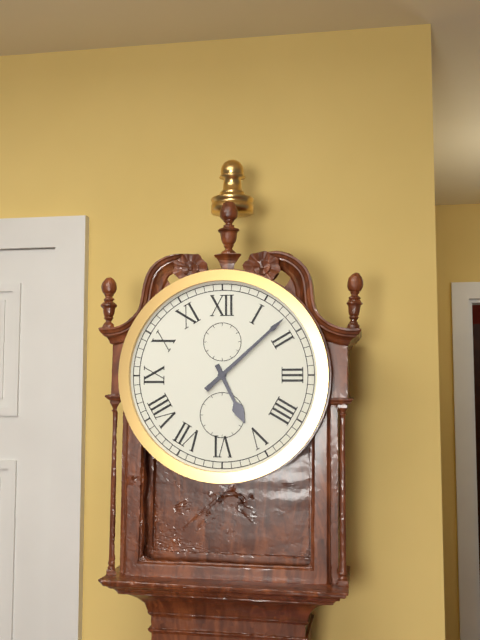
5:08
